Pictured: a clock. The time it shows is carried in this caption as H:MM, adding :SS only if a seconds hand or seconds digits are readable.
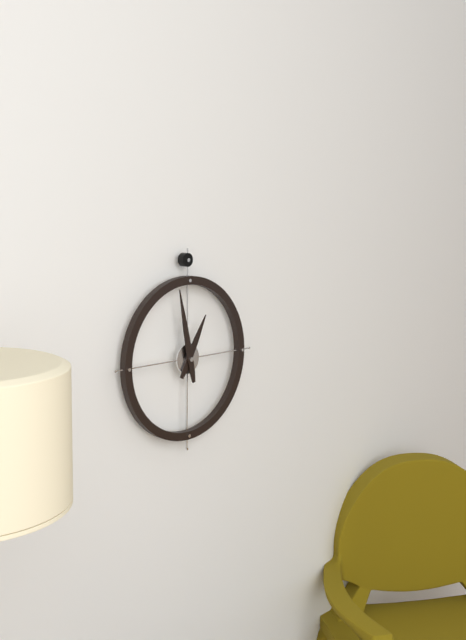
12:58
